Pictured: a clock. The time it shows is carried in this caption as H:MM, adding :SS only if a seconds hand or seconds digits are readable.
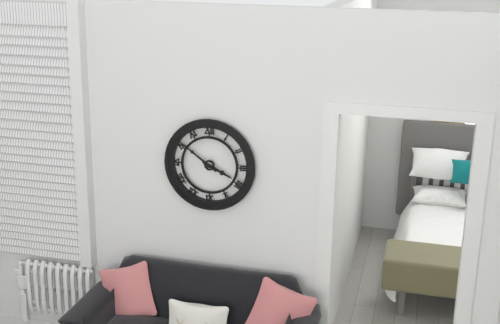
3:51
